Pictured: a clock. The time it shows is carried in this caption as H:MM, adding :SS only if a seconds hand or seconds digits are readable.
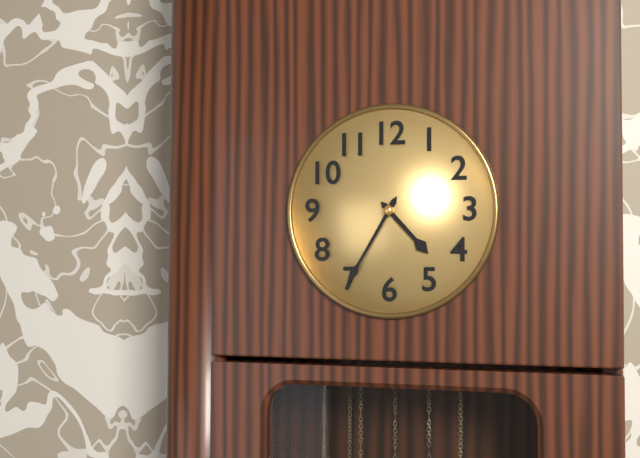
4:35
